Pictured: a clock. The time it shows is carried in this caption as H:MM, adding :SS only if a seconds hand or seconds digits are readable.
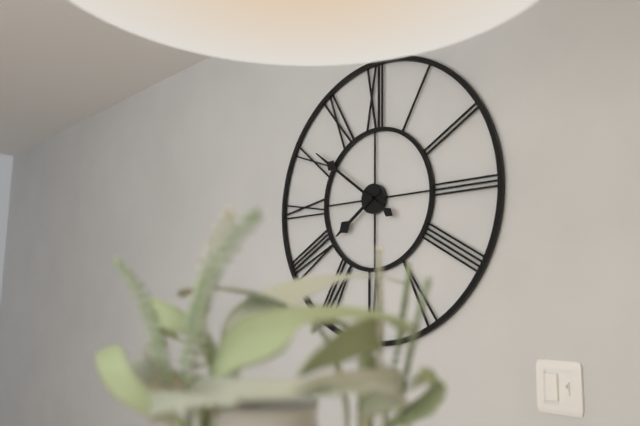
7:51
